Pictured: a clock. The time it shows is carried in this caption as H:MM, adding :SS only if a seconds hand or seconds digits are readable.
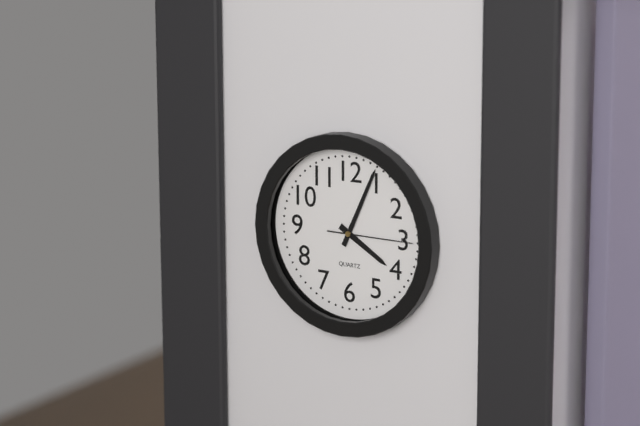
4:04:15
